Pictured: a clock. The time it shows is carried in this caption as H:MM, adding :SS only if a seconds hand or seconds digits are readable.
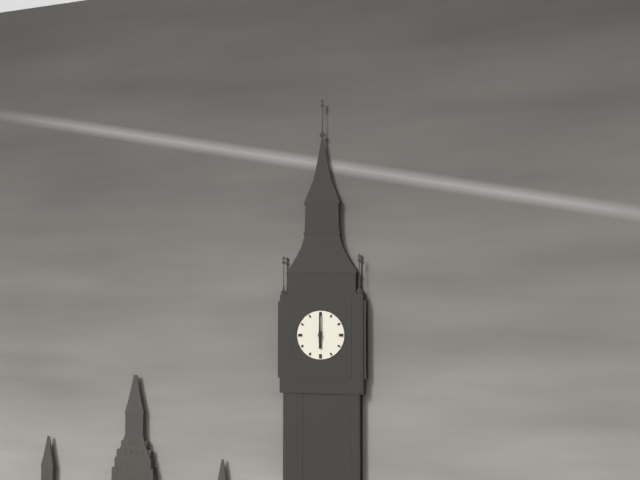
6:00
